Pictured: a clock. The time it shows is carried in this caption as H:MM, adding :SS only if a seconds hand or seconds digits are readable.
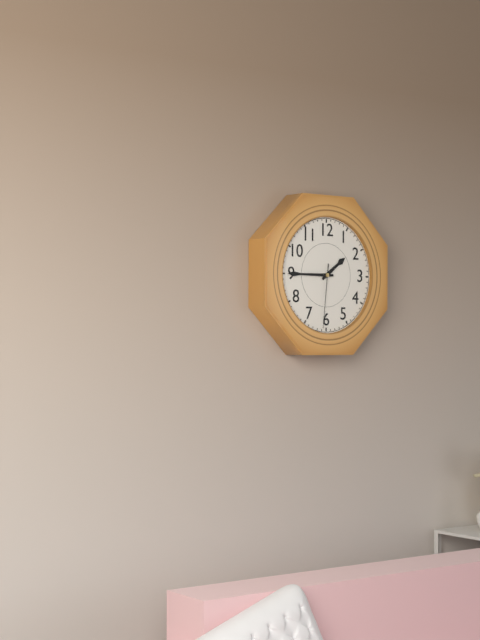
1:45:31
